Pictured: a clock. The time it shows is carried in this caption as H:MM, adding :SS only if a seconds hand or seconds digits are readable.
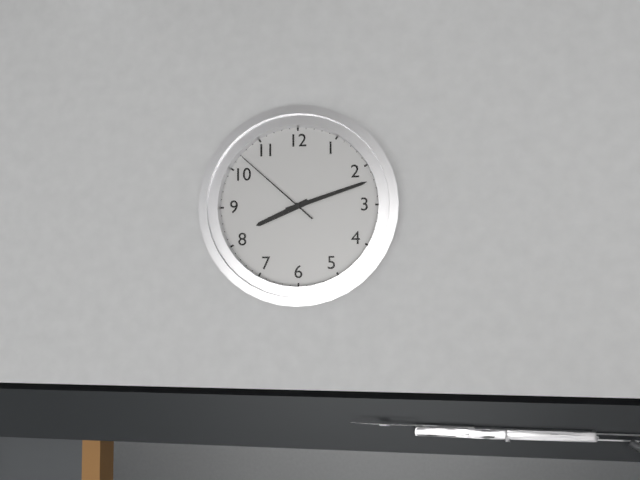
8:12:52
